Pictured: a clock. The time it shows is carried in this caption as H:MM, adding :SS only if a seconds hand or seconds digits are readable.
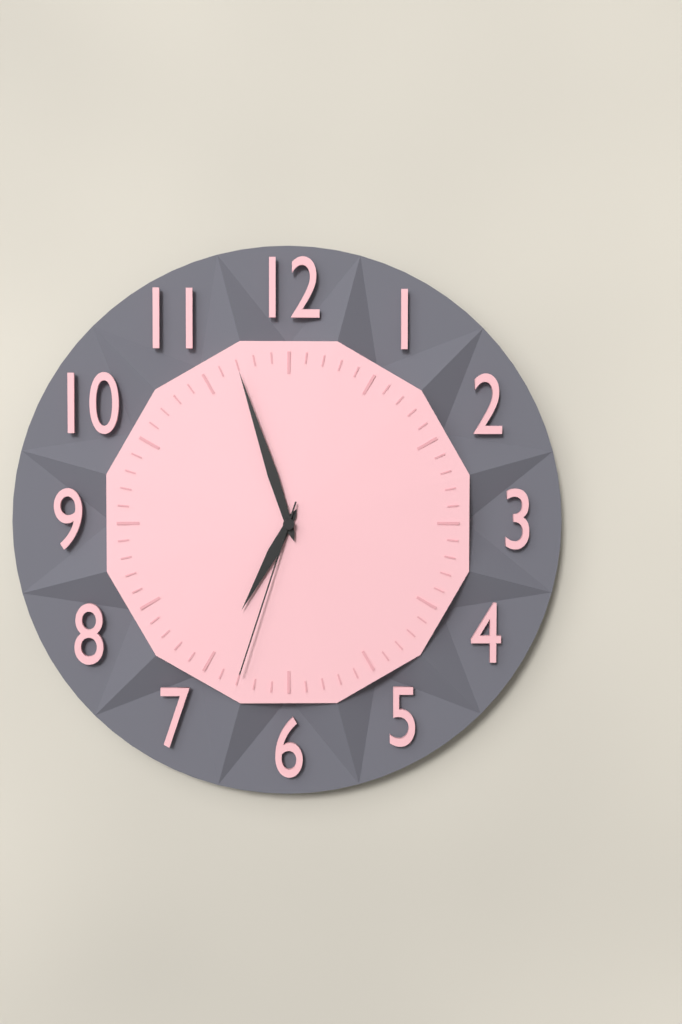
6:57:33
